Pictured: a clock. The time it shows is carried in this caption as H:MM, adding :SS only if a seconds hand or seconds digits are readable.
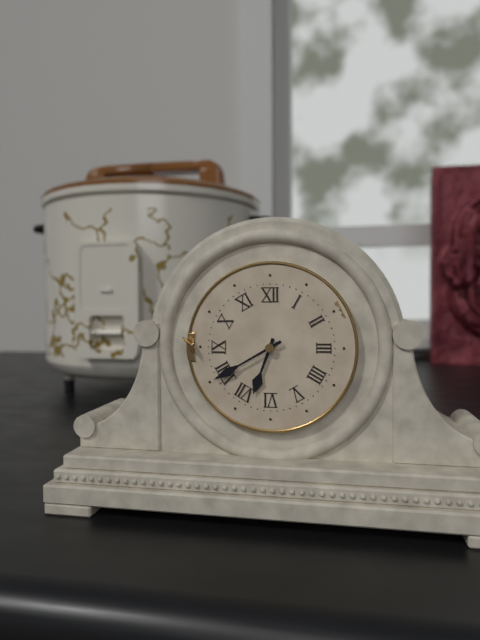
6:40
